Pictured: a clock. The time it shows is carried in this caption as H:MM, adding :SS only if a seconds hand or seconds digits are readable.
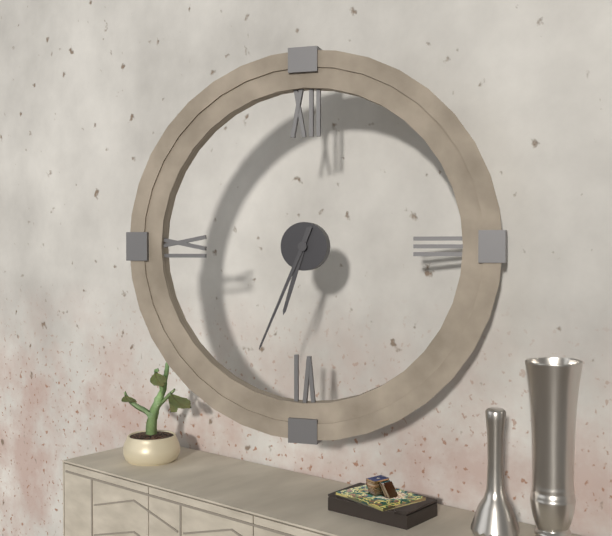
6:34
